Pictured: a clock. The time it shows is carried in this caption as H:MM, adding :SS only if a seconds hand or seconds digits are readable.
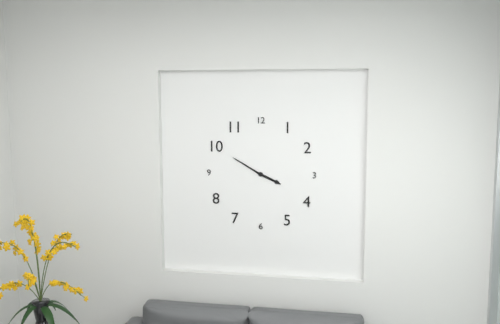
3:50
